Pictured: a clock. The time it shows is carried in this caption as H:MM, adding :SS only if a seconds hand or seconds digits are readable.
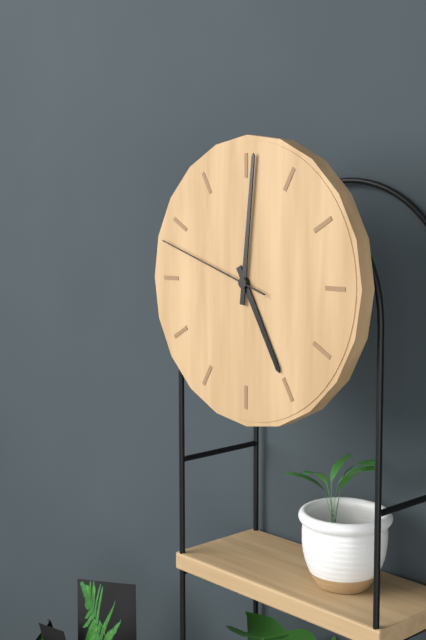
5:01:48
